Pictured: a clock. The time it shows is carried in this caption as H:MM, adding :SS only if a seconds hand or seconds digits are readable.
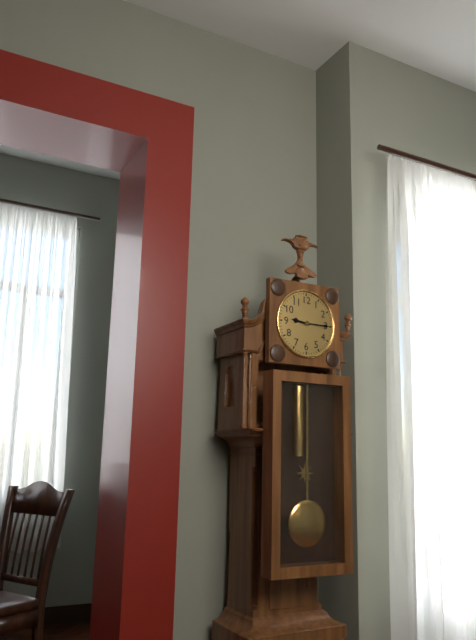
9:15
